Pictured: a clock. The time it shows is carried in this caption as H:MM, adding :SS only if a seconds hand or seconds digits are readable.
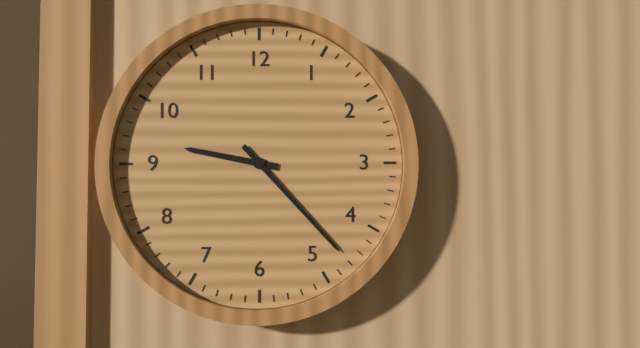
9:23
